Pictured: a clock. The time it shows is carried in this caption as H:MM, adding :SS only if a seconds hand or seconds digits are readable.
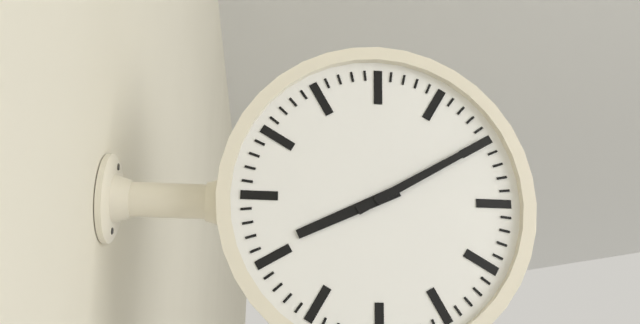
8:10
